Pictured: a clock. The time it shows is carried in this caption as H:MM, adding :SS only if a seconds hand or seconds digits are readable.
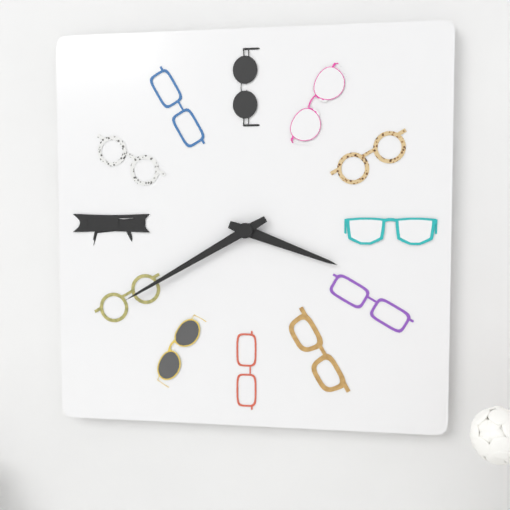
3:40
